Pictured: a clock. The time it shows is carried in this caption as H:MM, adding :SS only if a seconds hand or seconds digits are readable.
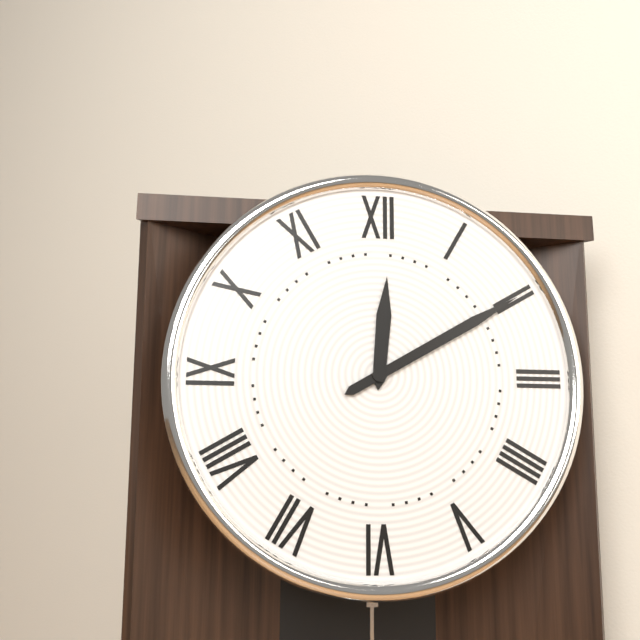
12:10
